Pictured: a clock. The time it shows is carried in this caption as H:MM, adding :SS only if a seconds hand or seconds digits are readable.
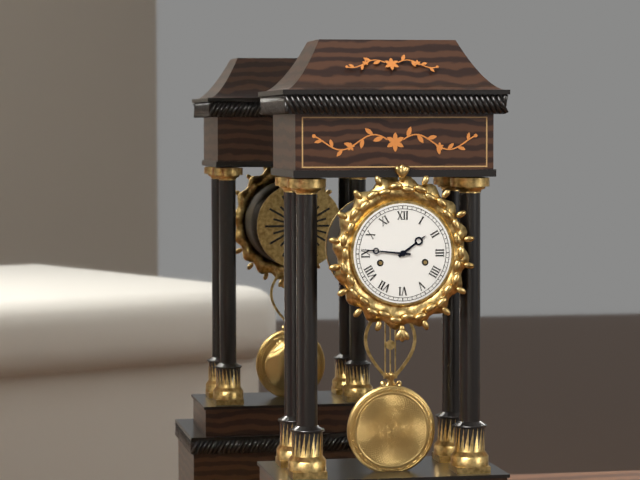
1:46
